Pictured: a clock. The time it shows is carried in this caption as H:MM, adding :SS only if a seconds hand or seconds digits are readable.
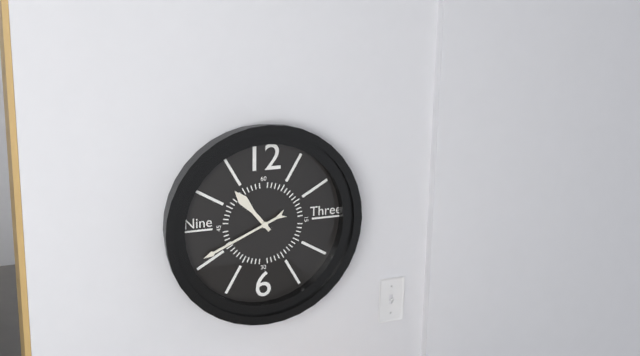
10:41
